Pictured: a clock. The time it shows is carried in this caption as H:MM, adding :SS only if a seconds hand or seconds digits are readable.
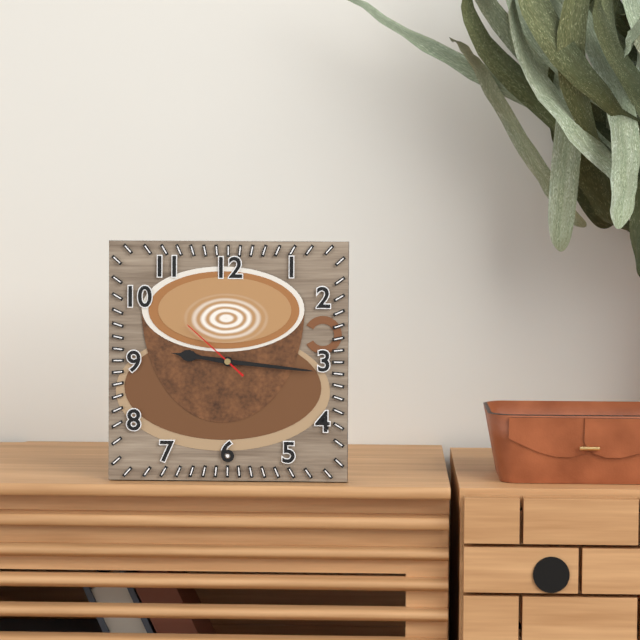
9:16:52
